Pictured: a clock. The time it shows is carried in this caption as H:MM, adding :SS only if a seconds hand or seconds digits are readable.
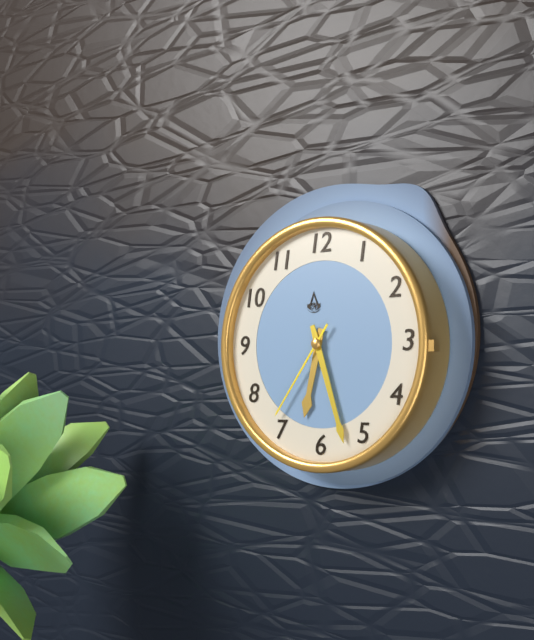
6:27:36
